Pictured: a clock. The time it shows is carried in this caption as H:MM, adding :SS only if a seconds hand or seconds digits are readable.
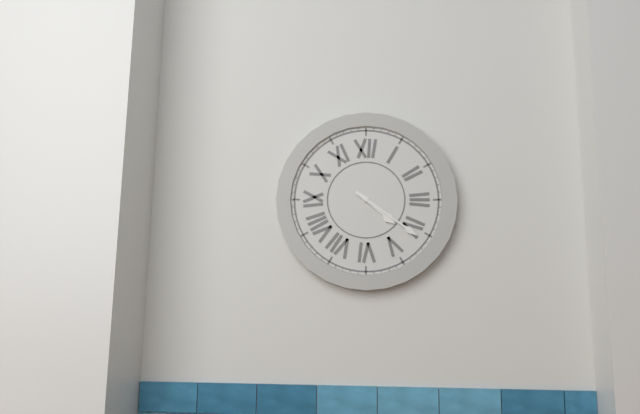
4:21
